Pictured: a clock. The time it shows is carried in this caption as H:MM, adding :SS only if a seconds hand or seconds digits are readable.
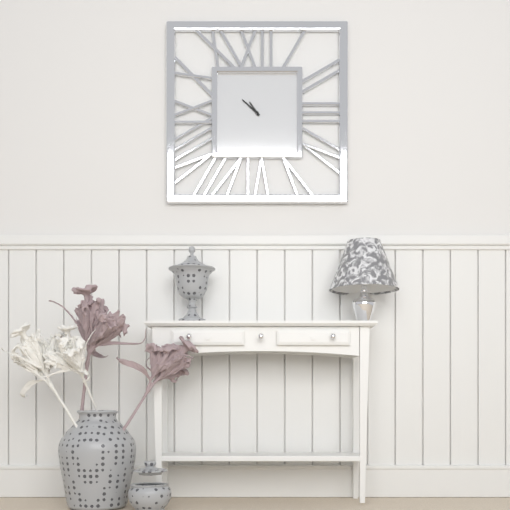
10:52
